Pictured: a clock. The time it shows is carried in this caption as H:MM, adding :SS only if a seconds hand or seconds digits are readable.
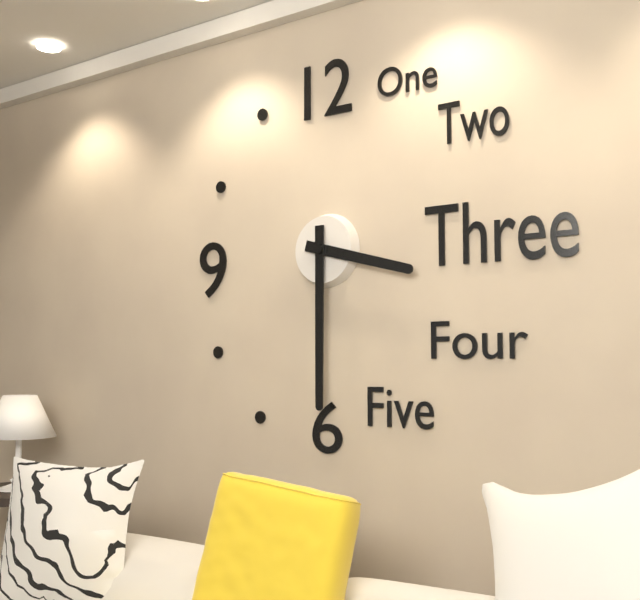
3:30
